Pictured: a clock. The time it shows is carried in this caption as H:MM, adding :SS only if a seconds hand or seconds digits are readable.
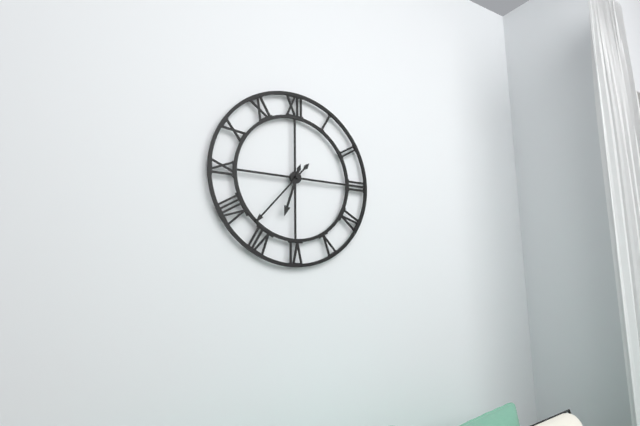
6:37
